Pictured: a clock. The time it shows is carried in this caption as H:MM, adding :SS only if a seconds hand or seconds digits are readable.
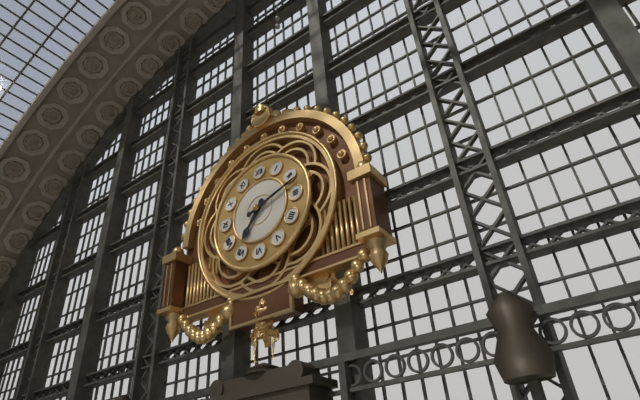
7:12
